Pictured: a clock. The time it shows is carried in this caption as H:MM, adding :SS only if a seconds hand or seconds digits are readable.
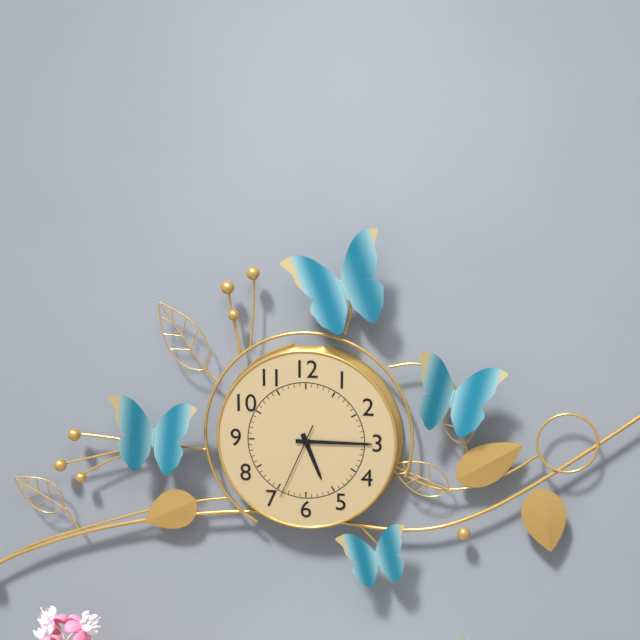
5:15:34
